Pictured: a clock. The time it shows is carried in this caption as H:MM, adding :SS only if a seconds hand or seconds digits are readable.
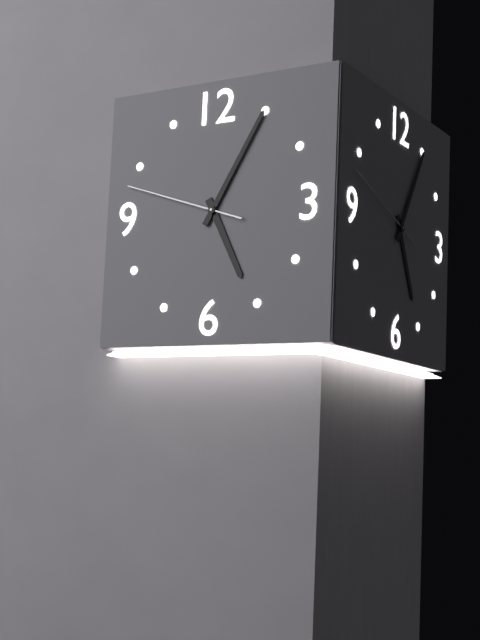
5:05:48
